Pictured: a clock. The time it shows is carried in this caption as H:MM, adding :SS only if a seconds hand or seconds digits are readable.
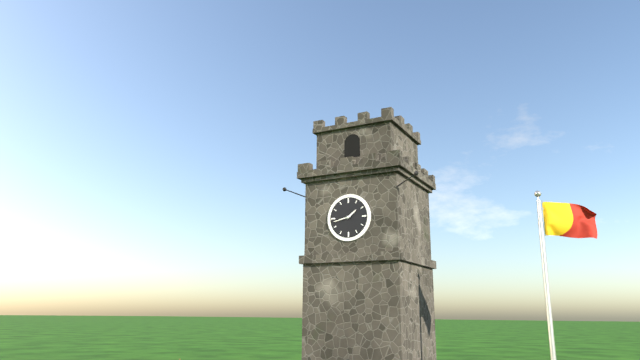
1:43
